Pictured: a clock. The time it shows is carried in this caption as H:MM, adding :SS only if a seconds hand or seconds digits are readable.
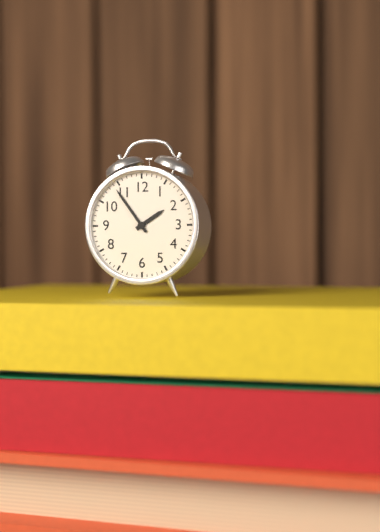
1:54
